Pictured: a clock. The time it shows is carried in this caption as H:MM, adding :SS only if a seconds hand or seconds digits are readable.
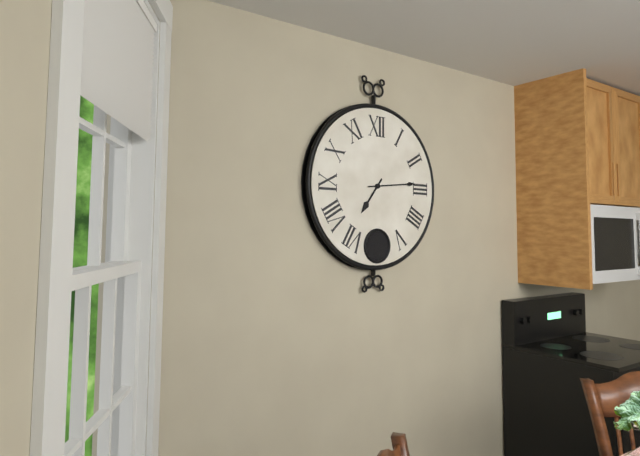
7:14
